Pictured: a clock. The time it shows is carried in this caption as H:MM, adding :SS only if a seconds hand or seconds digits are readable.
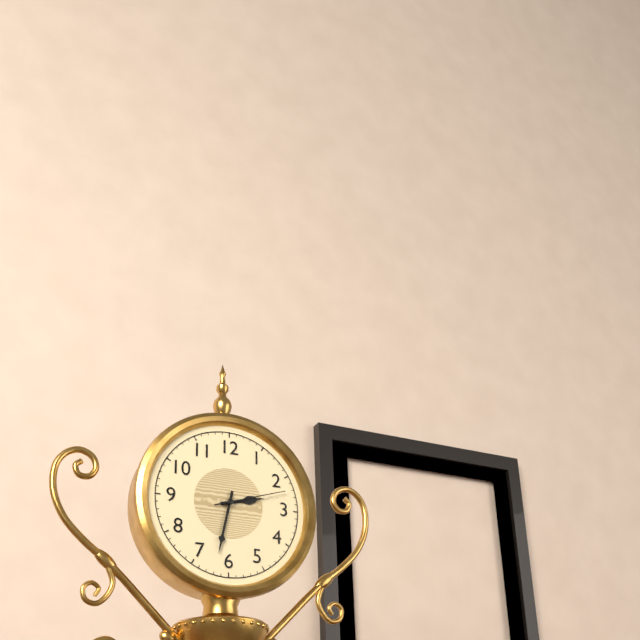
2:32:12
